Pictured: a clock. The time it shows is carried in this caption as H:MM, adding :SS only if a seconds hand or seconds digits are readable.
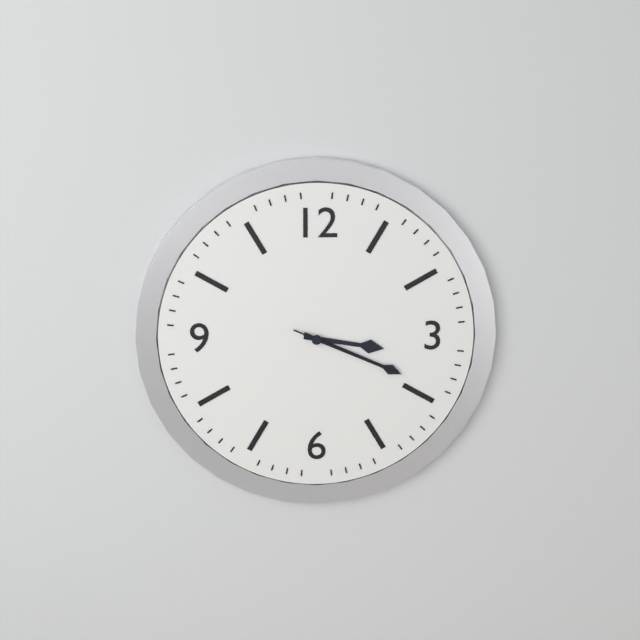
3:19:19
